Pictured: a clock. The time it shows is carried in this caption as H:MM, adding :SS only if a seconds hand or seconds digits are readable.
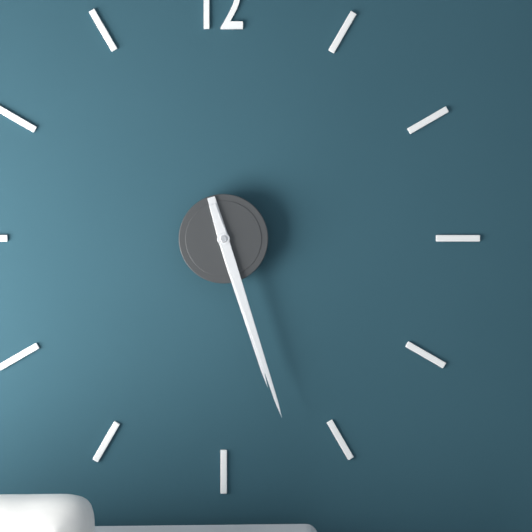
5:27
